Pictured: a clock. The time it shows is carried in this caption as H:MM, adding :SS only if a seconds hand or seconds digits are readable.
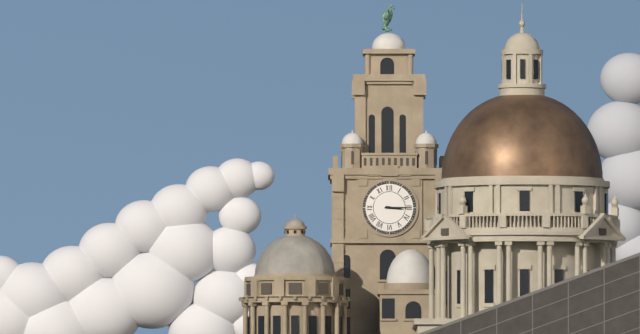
3:15
